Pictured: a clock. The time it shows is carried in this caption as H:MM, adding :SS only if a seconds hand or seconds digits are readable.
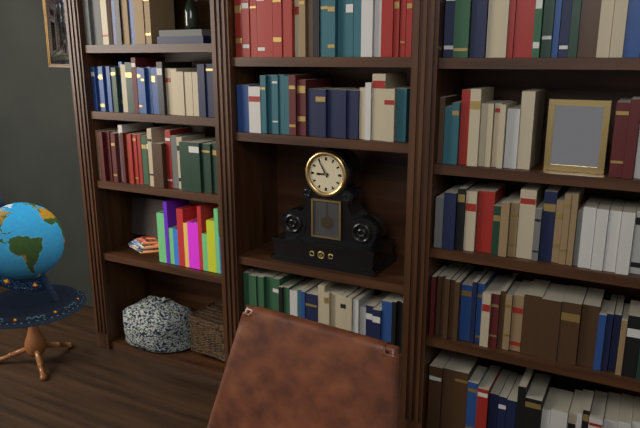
8:55
